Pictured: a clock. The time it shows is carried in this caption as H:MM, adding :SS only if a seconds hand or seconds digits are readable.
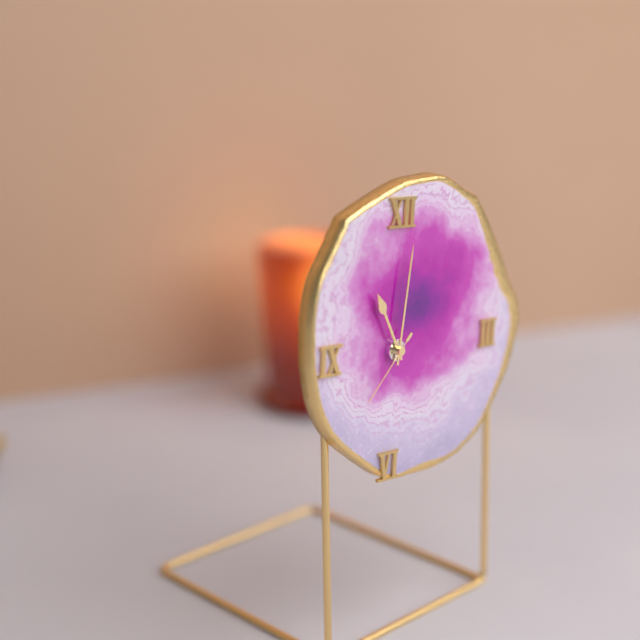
11:01:37
